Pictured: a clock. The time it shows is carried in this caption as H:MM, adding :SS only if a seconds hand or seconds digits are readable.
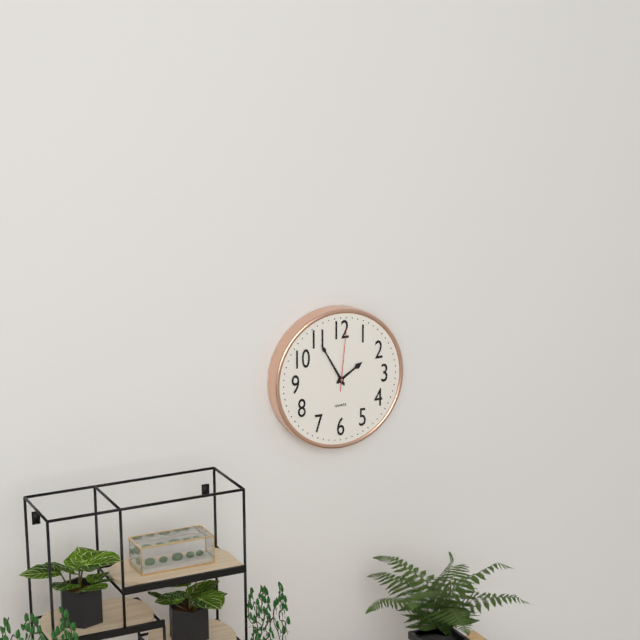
1:55:01
